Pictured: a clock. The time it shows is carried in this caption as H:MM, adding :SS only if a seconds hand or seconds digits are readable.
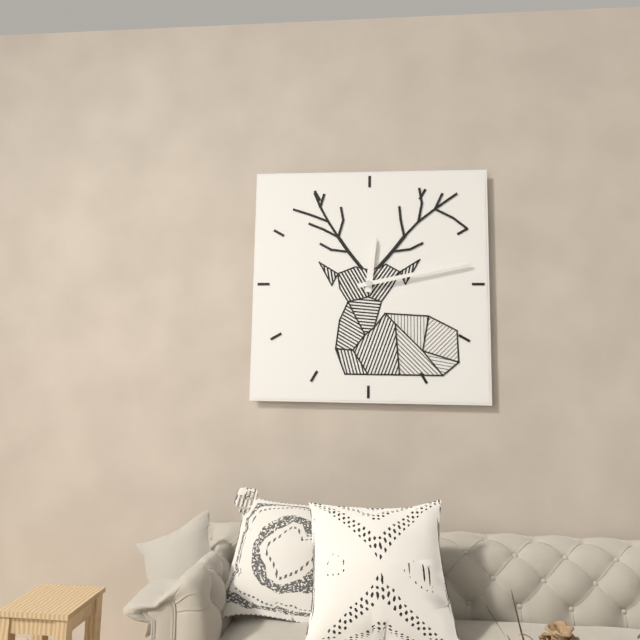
12:13
